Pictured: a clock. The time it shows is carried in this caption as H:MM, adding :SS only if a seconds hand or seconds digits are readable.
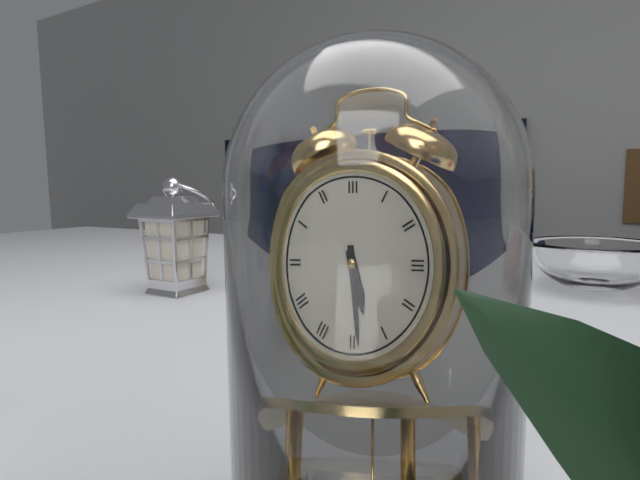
5:29
